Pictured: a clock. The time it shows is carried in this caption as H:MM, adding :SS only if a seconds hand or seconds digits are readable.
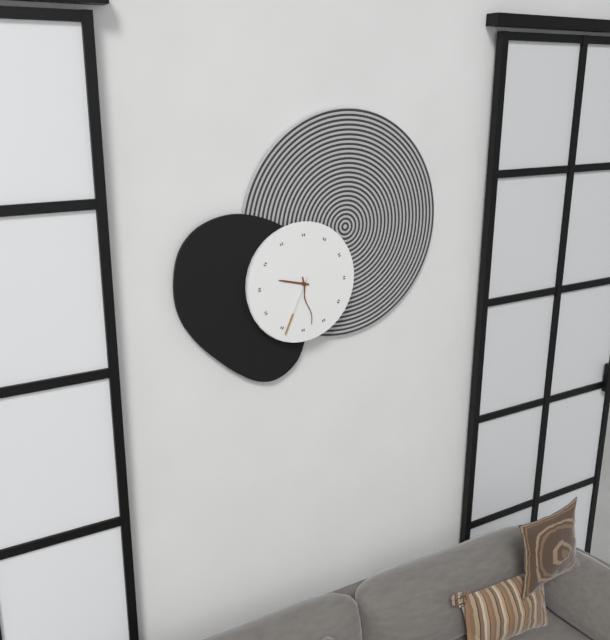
9:28:34
